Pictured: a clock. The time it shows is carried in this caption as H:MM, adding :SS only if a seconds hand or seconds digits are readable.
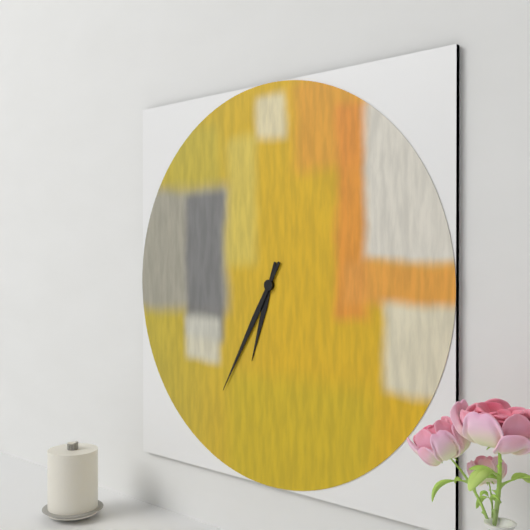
6:35
